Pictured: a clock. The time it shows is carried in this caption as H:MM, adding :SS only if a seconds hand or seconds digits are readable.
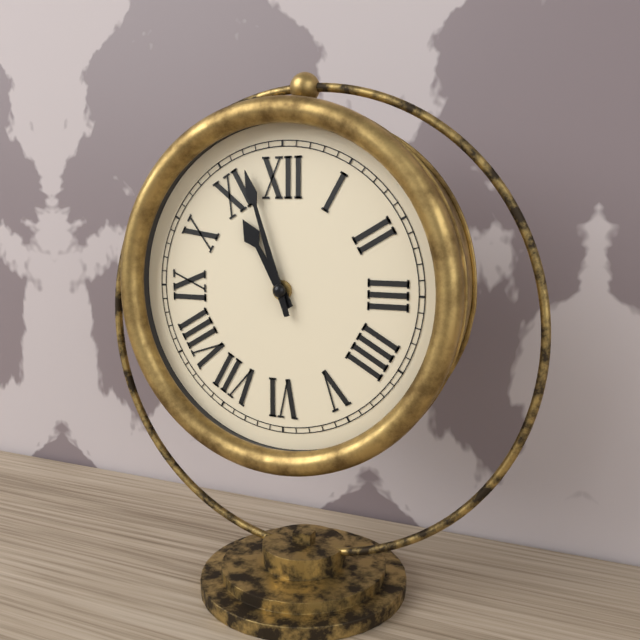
10:57
